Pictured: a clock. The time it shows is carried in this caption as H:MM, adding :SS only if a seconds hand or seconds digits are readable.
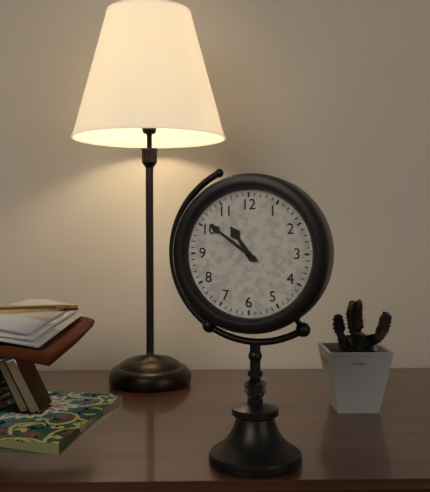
10:51
